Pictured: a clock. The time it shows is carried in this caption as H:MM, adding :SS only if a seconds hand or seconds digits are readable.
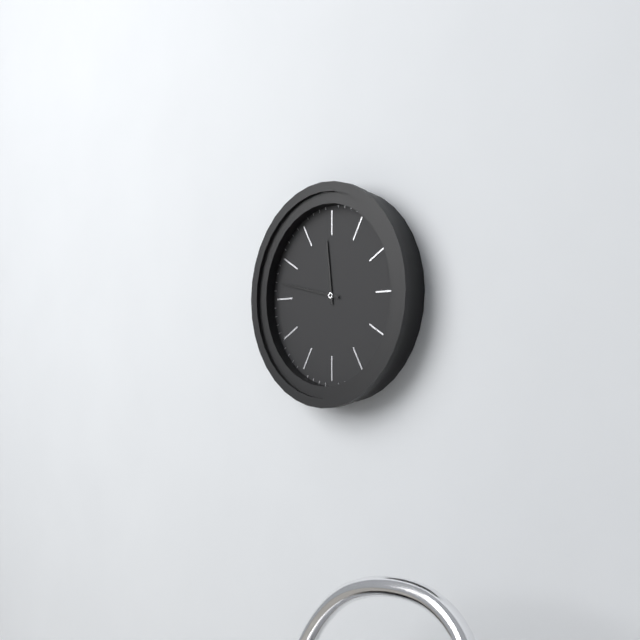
11:47
